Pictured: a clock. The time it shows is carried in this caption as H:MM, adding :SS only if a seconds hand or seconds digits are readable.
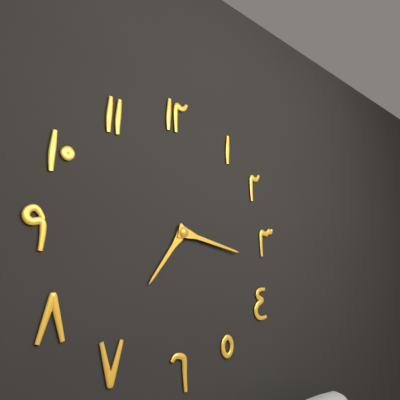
7:17
